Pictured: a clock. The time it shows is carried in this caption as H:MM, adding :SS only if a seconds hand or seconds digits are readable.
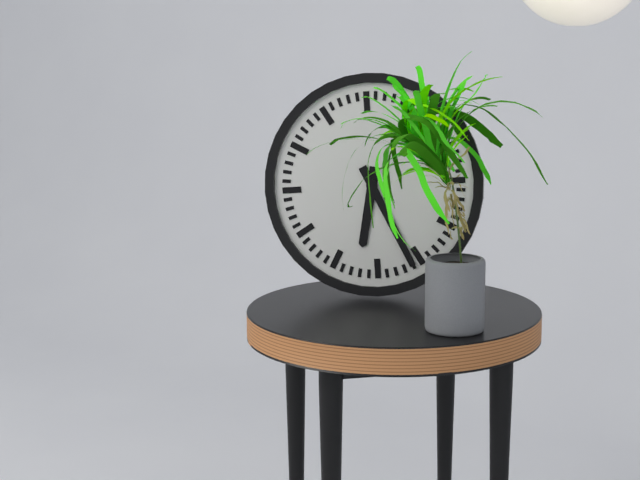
6:26
